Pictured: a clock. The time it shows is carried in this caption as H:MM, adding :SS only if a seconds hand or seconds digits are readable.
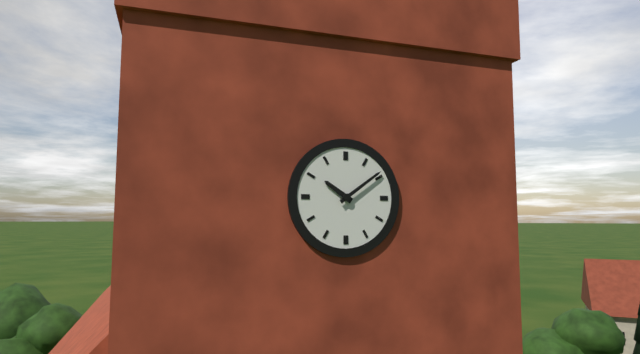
10:09
